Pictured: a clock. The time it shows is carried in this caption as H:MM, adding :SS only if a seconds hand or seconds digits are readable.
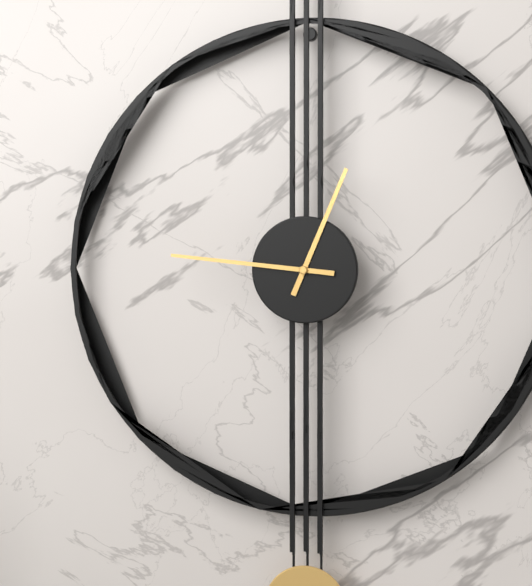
12:46
